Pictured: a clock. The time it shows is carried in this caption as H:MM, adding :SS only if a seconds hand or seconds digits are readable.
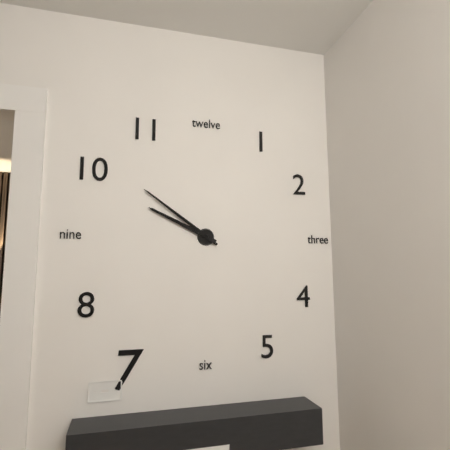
9:51
